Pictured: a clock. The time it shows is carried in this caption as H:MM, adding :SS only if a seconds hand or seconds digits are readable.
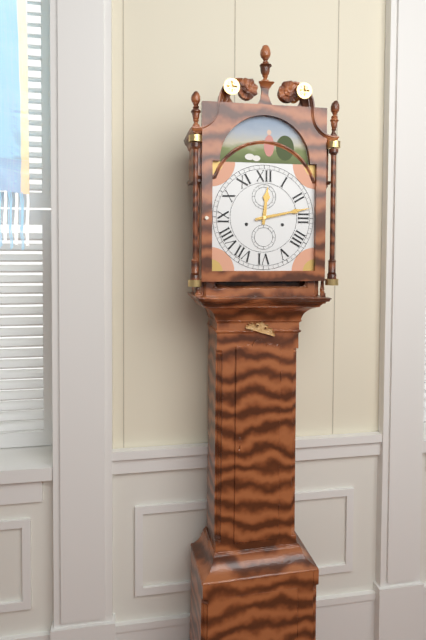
12:13
